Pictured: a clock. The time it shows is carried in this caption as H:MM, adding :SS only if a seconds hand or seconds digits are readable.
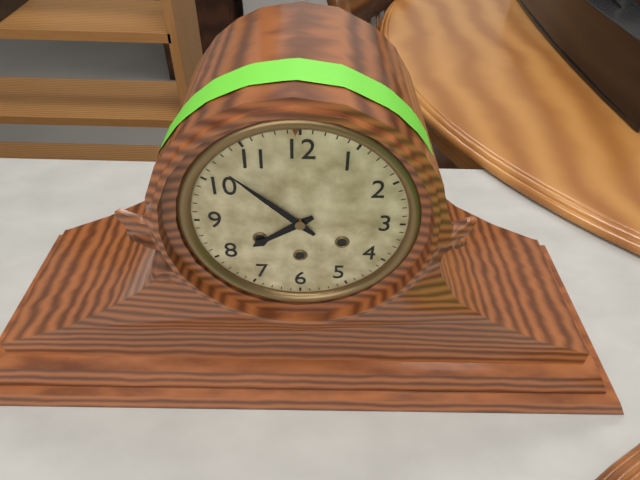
7:52
